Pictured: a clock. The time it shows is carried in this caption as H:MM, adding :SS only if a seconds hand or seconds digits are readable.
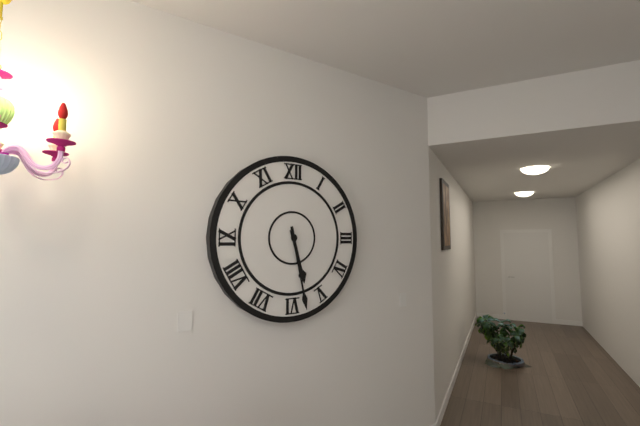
5:28
